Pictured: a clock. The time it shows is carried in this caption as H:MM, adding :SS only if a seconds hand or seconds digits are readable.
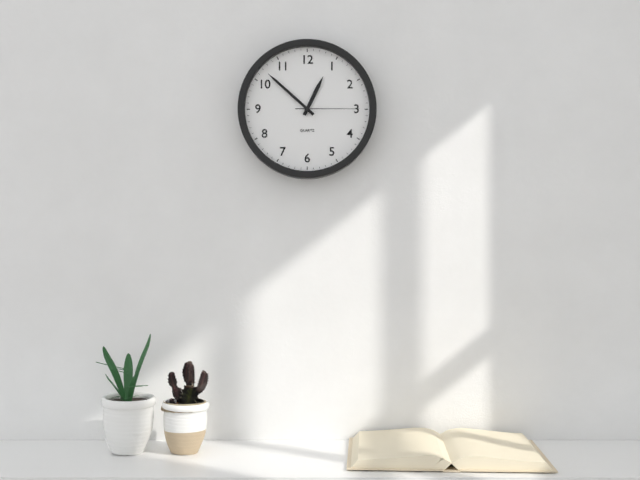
12:52:15
